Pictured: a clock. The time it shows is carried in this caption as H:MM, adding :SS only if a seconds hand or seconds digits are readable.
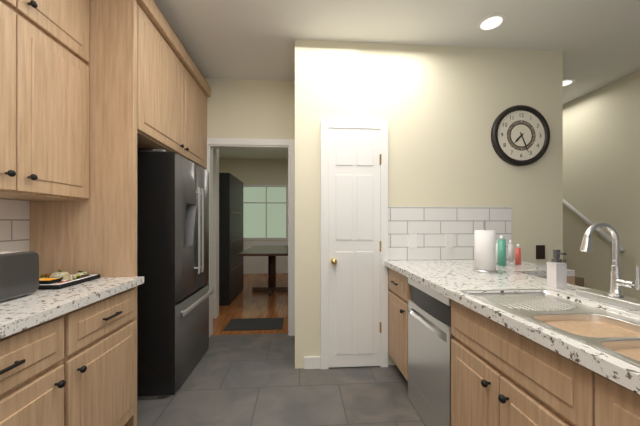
7:26
